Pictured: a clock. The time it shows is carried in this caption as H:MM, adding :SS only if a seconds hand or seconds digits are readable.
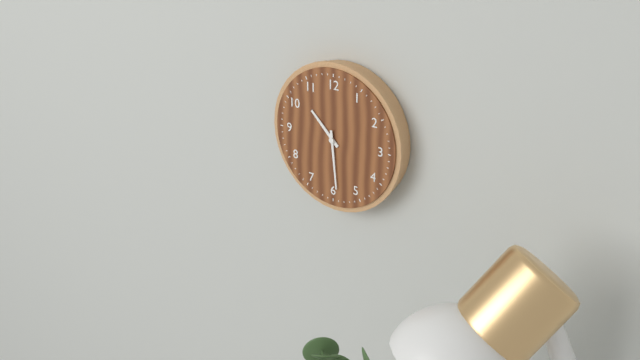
10:29
